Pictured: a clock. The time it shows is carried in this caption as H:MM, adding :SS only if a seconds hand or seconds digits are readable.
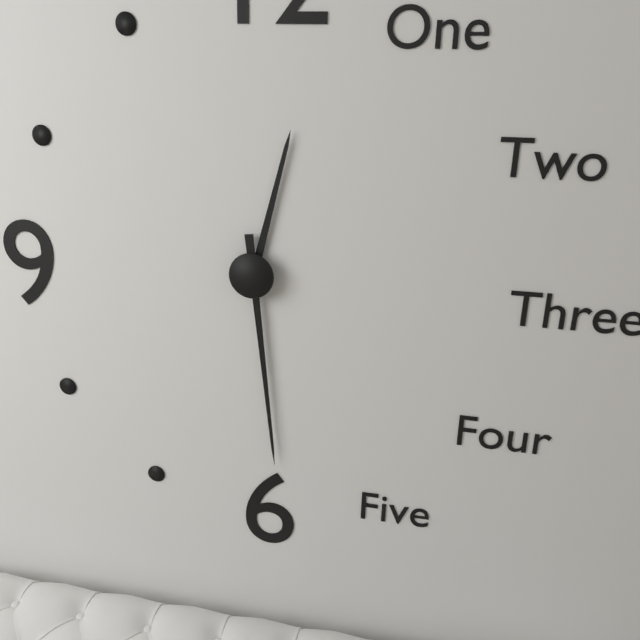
12:29
